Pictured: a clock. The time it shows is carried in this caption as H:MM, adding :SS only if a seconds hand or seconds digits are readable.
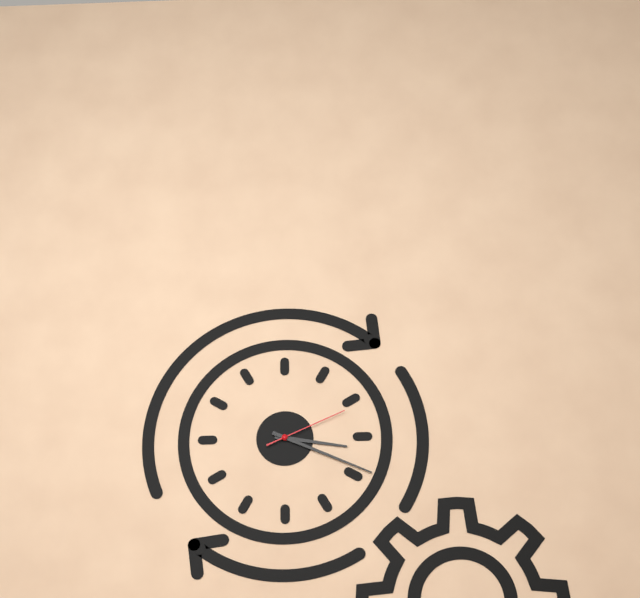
3:19:11
